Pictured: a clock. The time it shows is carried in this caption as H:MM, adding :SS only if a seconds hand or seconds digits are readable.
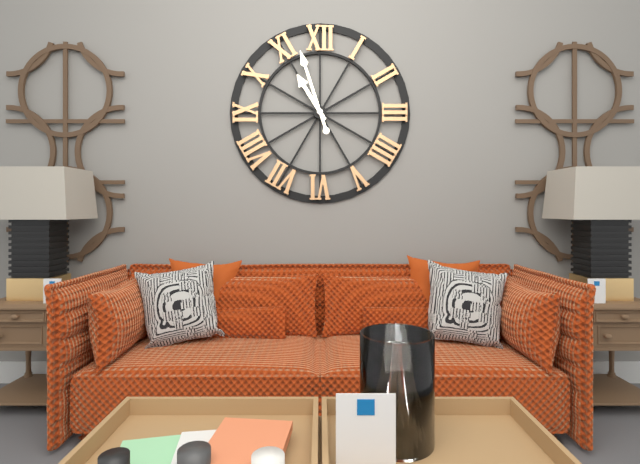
10:57
